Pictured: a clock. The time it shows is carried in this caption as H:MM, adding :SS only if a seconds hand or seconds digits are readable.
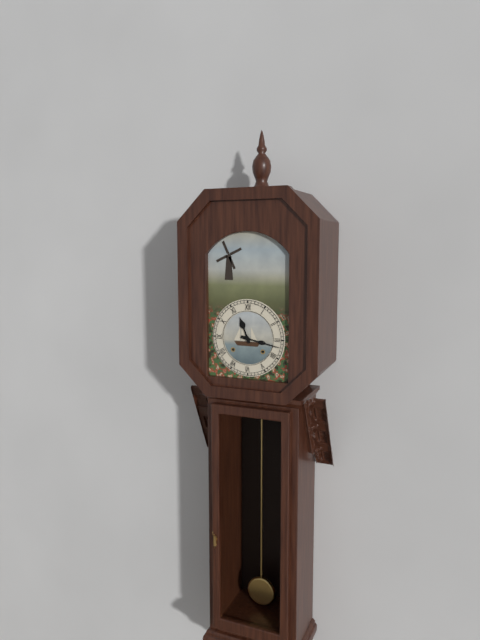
11:17
